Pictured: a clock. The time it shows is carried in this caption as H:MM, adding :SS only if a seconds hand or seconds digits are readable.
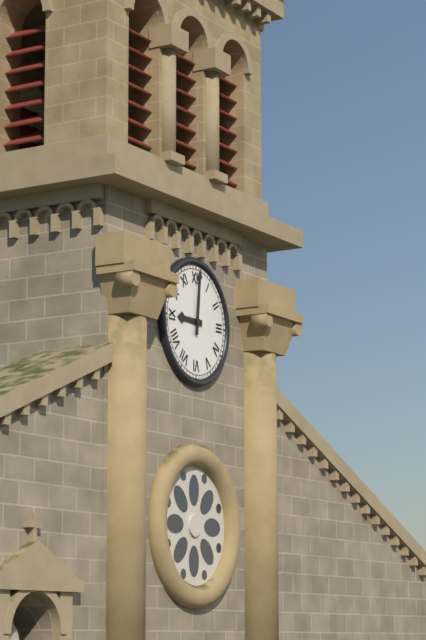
9:01
